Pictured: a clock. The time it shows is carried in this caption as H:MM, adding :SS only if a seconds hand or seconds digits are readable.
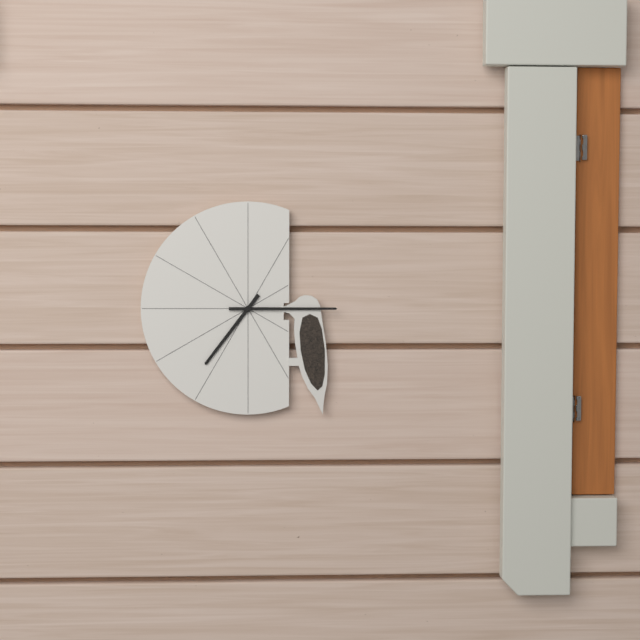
7:15
